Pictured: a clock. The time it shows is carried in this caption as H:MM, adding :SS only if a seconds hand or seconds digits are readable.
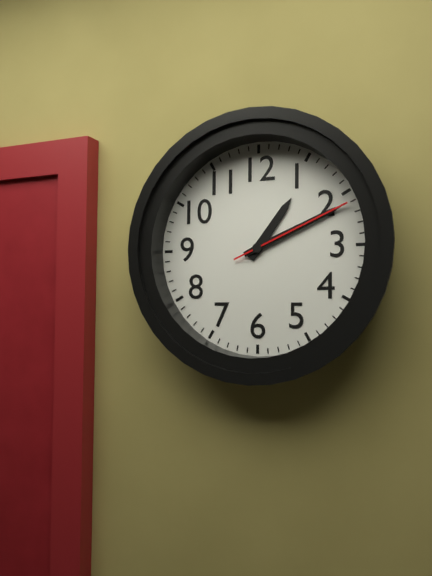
1:11:11
